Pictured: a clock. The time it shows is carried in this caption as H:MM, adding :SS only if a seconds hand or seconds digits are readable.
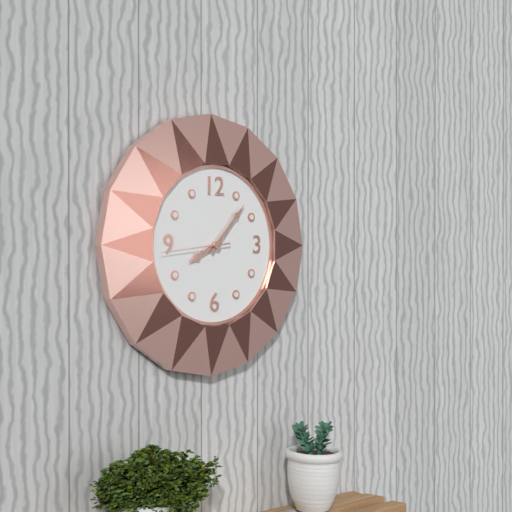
8:07:44
